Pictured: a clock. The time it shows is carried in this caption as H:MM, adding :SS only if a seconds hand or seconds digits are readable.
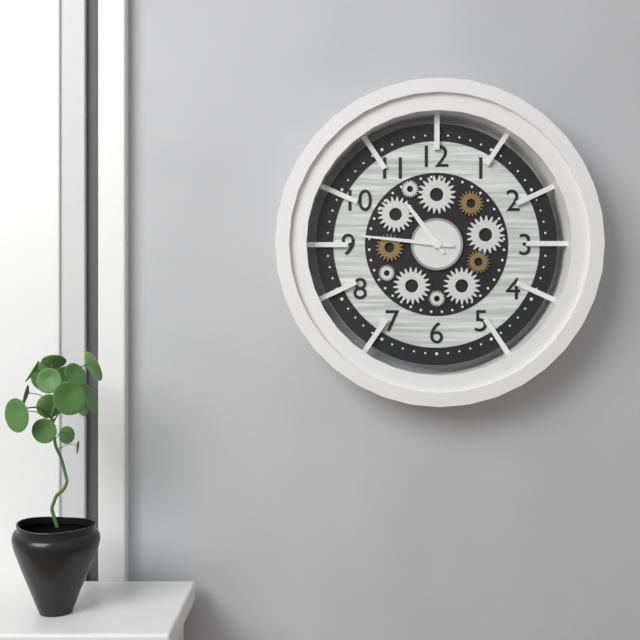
10:46
